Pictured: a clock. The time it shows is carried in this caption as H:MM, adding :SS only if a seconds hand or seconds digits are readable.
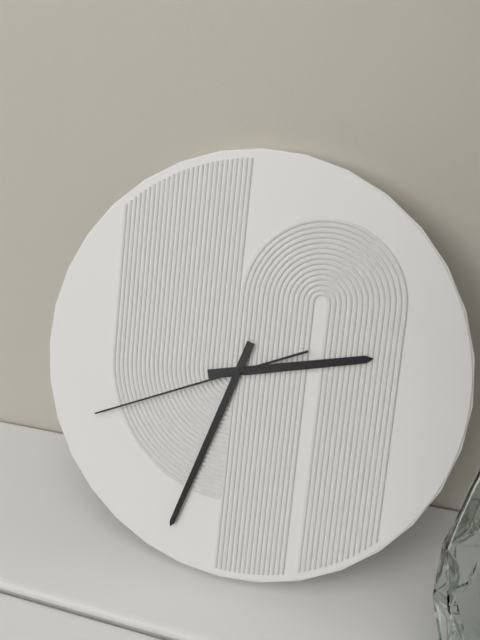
2:33:41
